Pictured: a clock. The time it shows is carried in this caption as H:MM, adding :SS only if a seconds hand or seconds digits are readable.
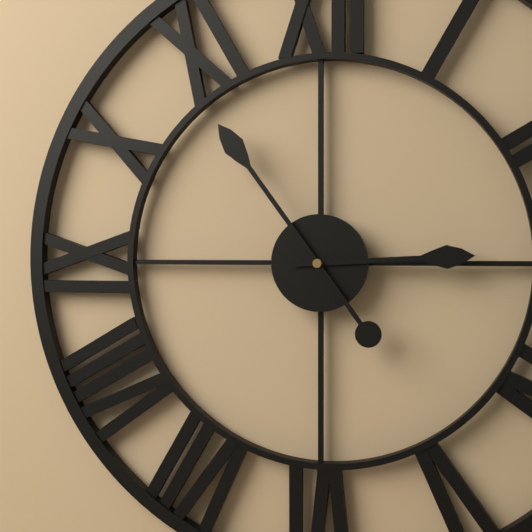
2:54
